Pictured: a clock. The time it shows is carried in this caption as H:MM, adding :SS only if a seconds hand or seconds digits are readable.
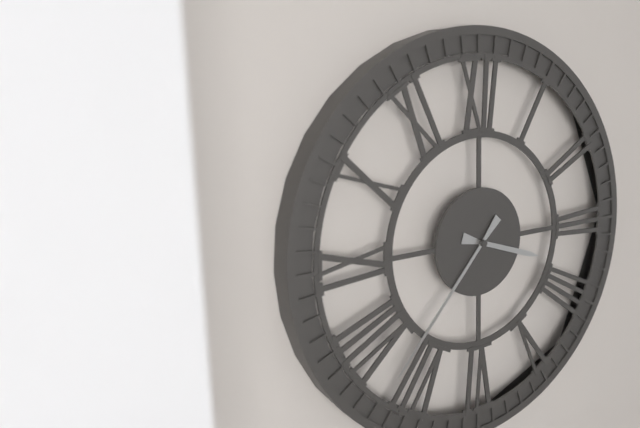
3:37
